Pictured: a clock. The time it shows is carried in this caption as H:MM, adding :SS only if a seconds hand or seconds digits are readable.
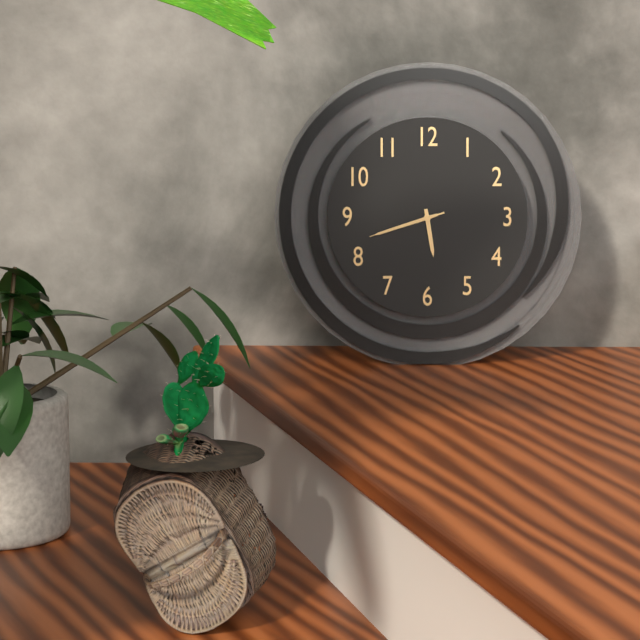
5:42:42
